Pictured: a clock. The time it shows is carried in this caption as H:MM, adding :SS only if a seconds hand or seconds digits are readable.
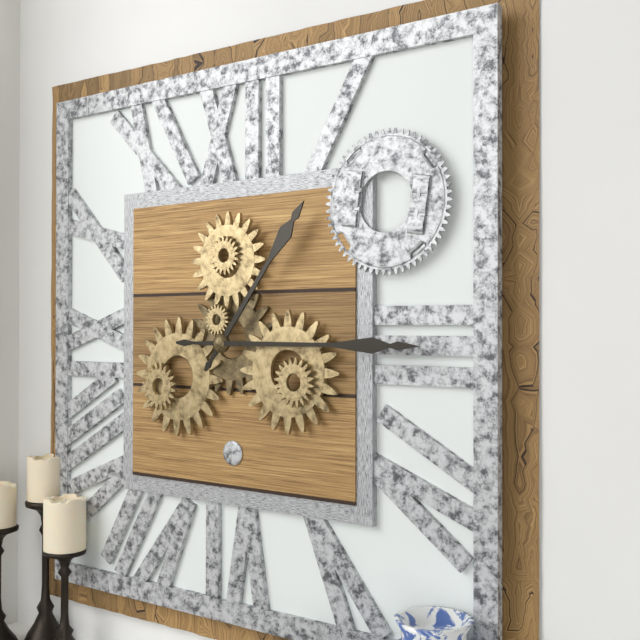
1:15
